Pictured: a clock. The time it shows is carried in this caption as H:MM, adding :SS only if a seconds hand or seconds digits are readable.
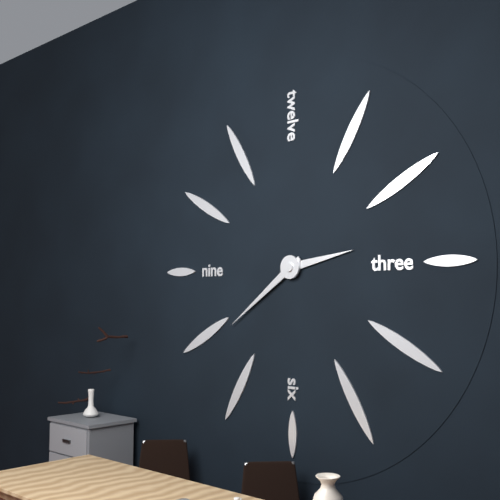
2:39
